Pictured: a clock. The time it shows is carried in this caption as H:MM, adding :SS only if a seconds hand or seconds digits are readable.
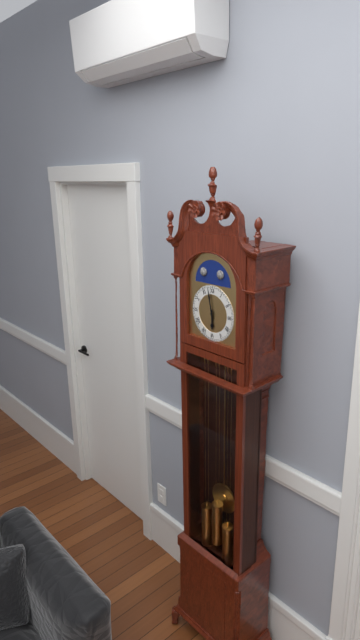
5:58
